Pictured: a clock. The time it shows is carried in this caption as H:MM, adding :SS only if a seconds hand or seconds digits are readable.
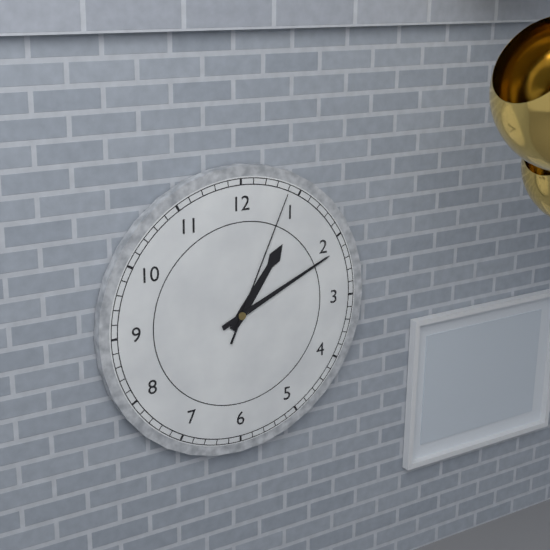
1:11:04
